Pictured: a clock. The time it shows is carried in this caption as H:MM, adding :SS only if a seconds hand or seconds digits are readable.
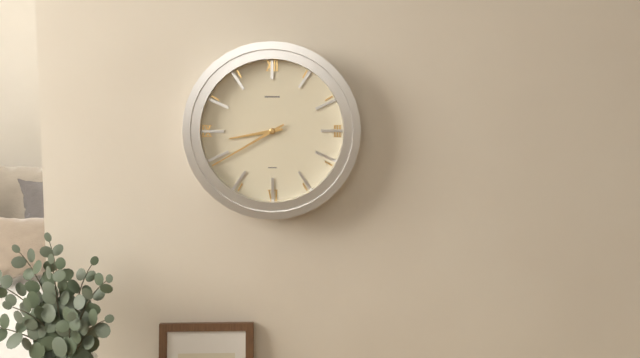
8:40
